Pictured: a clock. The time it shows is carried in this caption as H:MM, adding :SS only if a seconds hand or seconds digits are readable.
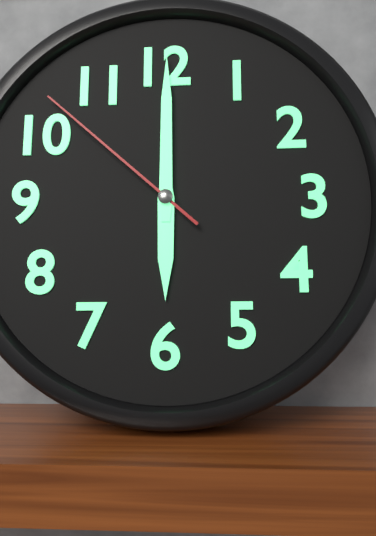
6:00:52
